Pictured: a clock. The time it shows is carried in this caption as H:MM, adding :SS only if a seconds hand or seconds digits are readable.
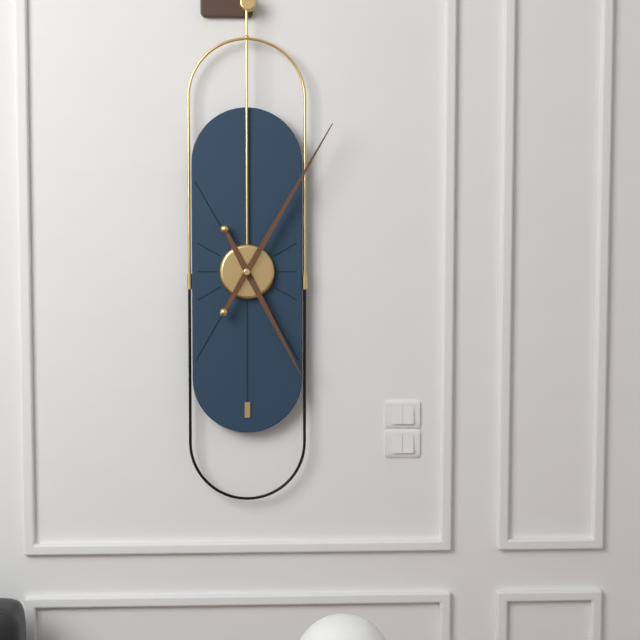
5:05
